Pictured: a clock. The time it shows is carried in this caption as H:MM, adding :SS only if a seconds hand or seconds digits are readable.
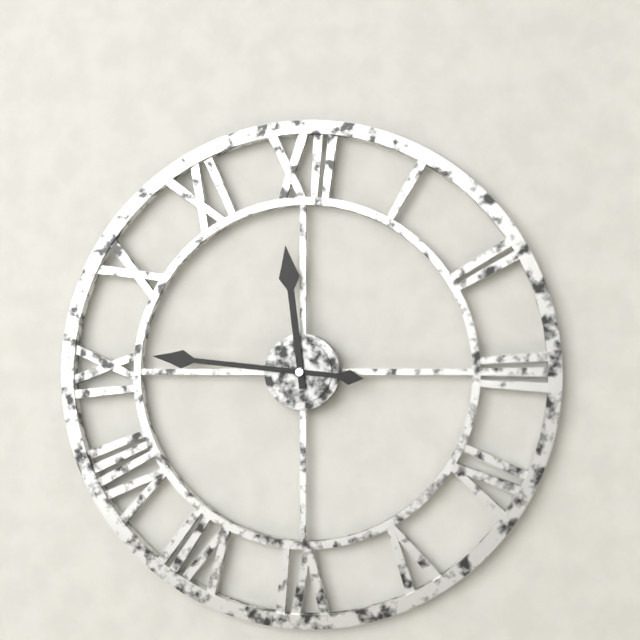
11:46
